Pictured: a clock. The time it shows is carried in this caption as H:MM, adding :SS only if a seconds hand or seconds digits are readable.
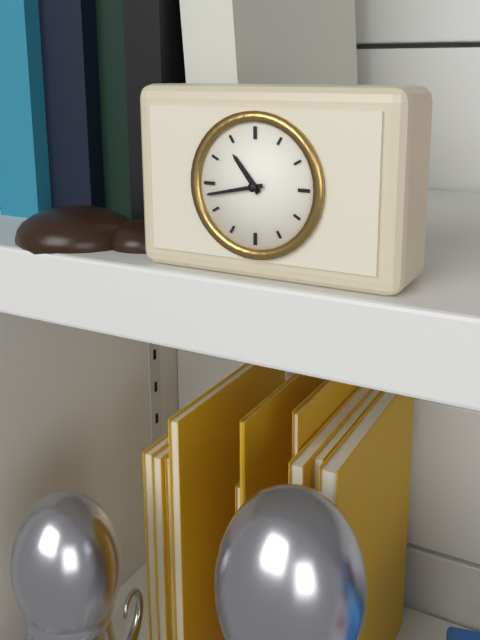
10:43
